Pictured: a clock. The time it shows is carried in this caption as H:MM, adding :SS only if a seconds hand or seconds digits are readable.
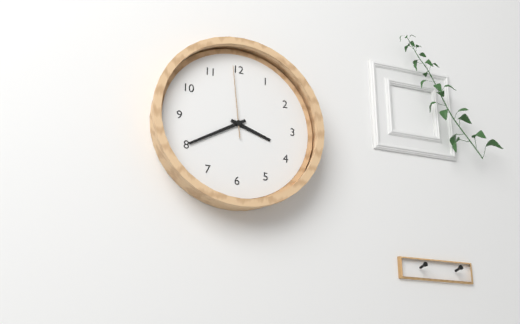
3:40:59
